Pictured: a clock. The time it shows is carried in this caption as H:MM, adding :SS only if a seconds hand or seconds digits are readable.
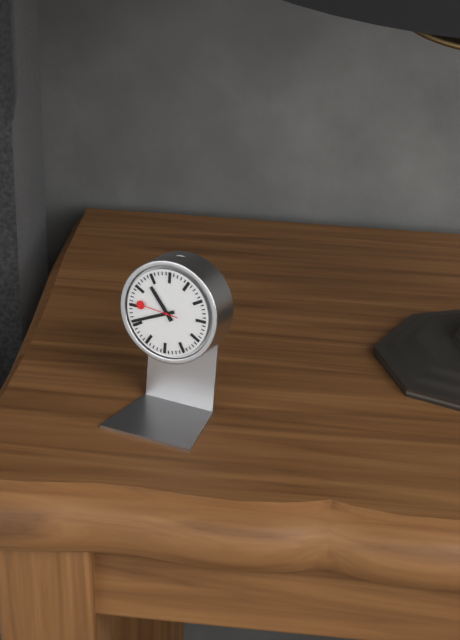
10:41
